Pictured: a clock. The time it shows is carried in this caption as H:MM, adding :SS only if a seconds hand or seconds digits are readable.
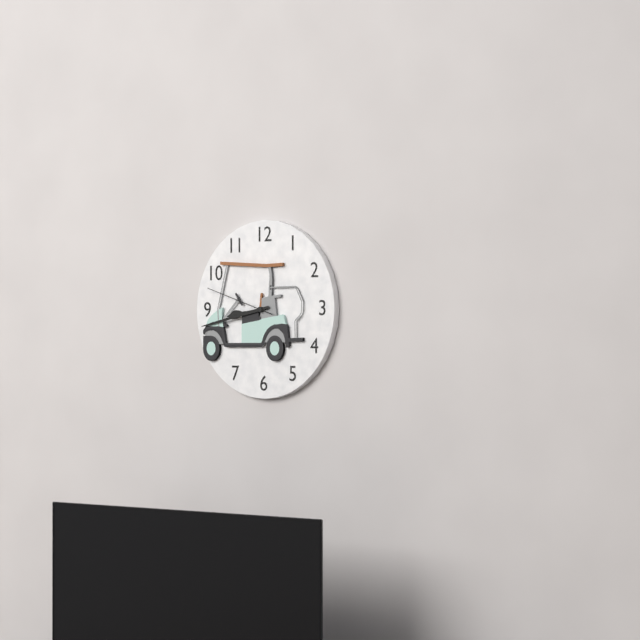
8:43:48
